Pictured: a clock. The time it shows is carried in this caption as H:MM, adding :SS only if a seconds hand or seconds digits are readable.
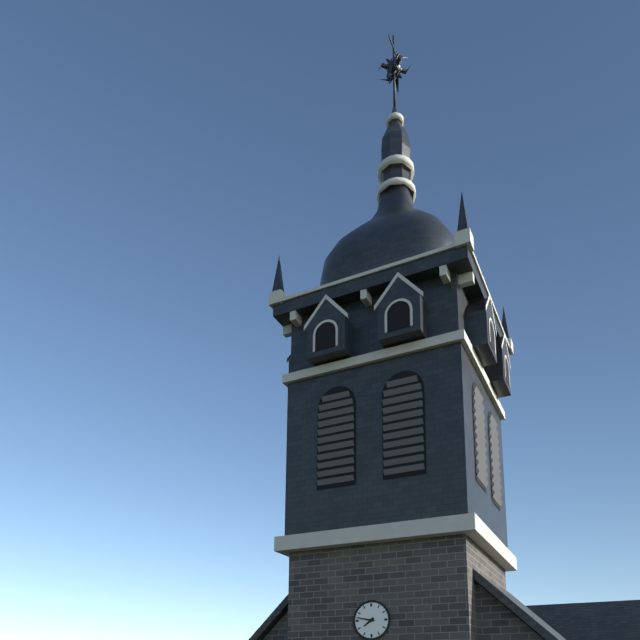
7:47
